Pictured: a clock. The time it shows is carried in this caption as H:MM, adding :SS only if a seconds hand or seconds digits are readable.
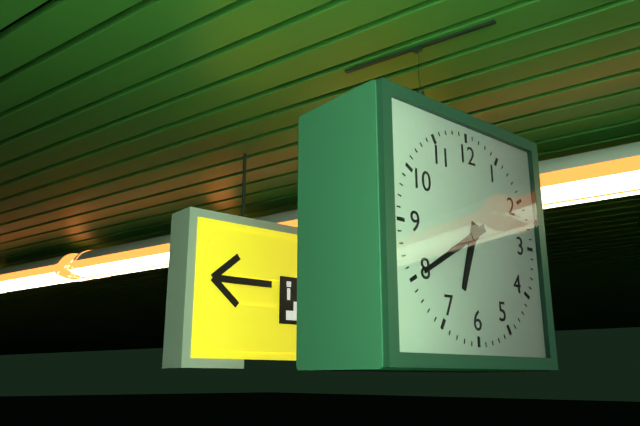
6:40
